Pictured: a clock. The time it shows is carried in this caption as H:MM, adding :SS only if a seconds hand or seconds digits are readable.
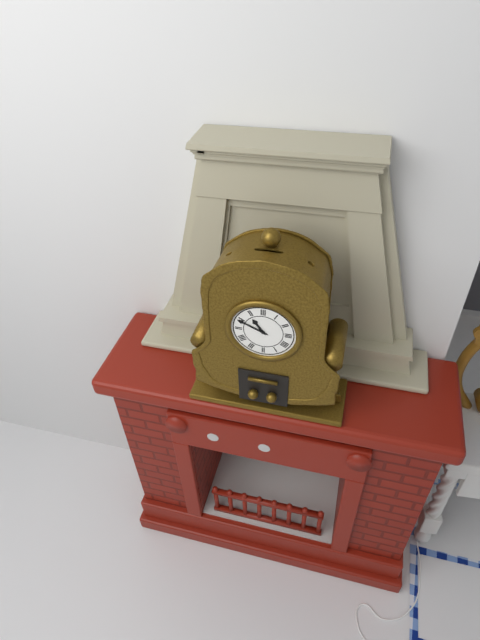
10:49
